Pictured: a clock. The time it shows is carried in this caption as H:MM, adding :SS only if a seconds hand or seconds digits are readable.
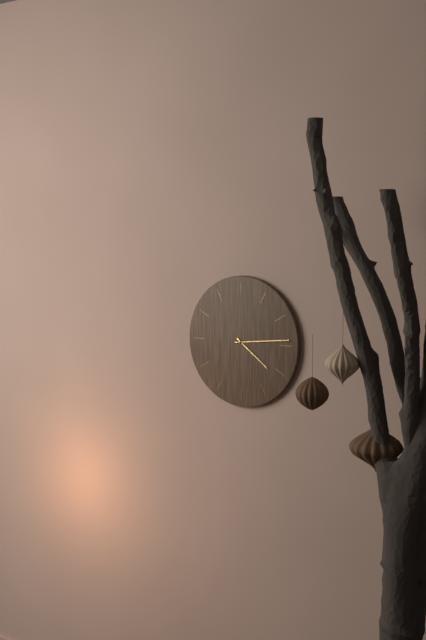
4:14
